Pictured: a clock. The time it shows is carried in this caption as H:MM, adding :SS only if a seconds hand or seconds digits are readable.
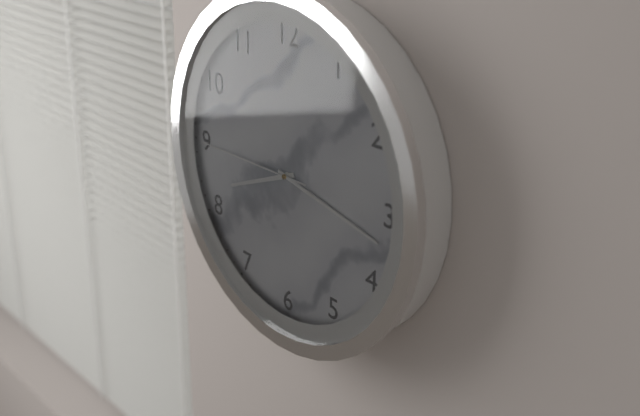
8:17:45
